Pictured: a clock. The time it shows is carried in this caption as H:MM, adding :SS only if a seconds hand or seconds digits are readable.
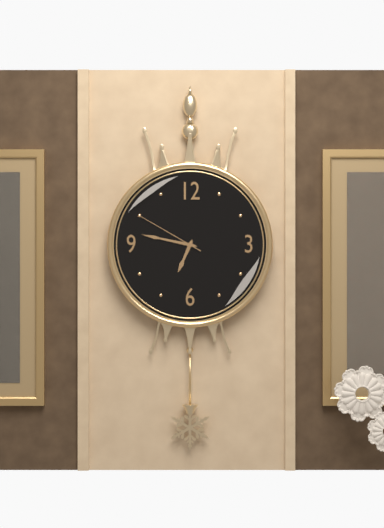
6:47:50
